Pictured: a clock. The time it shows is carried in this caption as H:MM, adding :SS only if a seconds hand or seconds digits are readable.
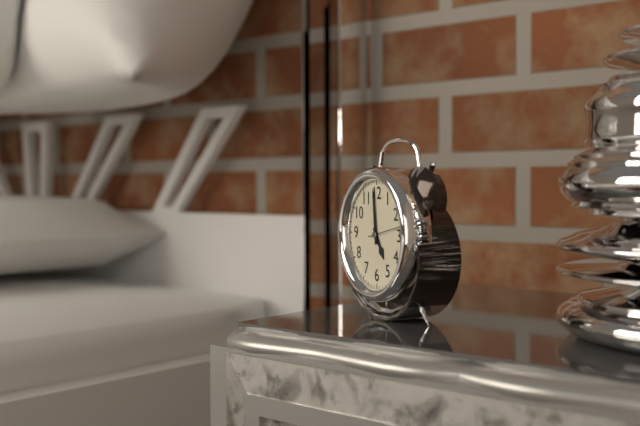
4:59
